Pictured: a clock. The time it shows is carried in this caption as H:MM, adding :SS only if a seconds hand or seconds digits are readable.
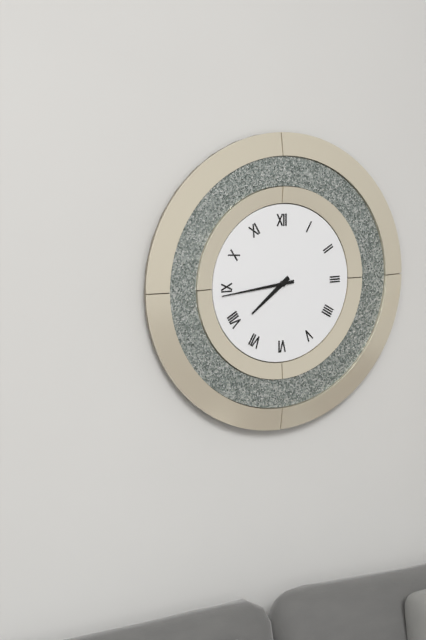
7:44
